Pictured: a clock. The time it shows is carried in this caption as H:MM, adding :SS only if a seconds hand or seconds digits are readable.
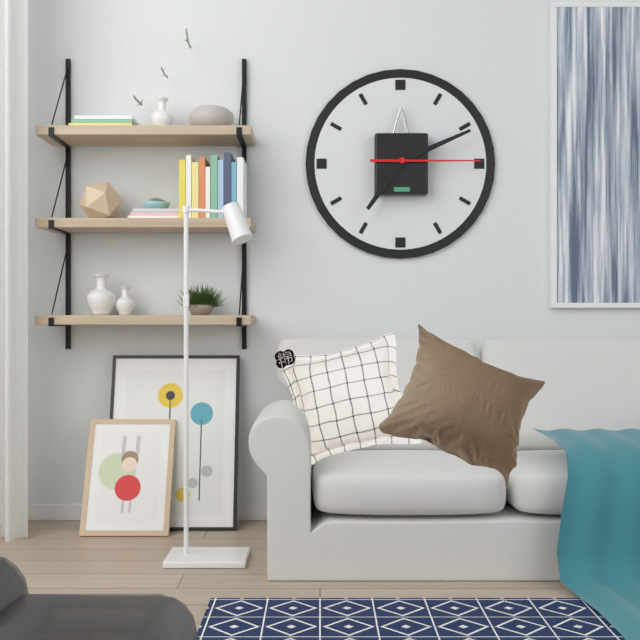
7:11:15
